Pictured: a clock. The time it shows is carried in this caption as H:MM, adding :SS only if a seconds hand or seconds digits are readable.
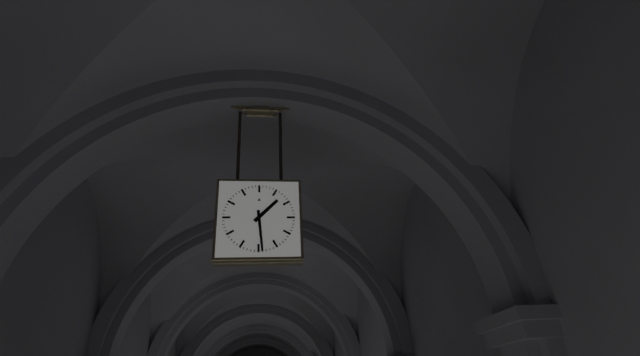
1:29
